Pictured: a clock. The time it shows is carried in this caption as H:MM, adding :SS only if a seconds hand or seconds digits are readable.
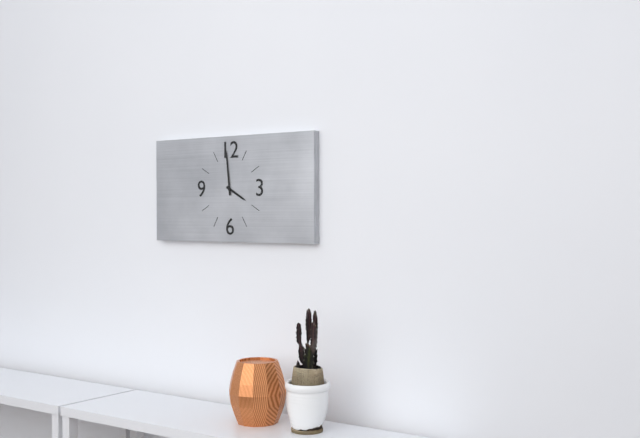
3:59
